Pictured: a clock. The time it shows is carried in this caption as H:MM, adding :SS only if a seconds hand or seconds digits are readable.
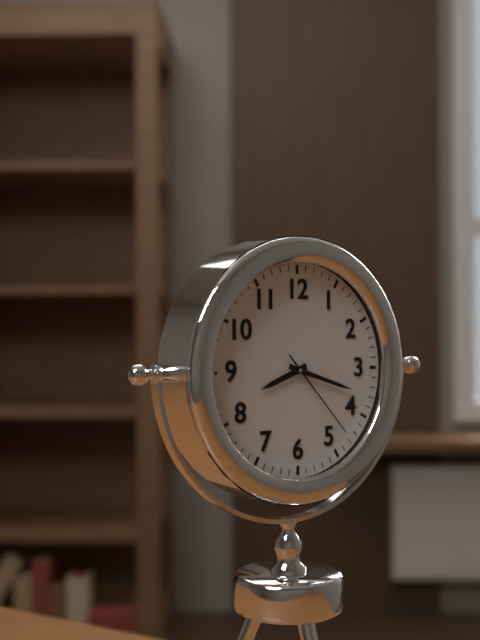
8:18:23
